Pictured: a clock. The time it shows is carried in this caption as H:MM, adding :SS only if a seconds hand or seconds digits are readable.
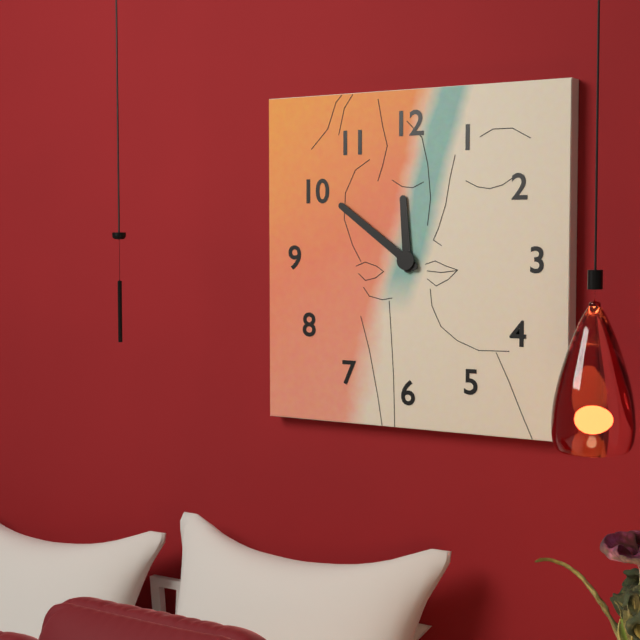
11:51
